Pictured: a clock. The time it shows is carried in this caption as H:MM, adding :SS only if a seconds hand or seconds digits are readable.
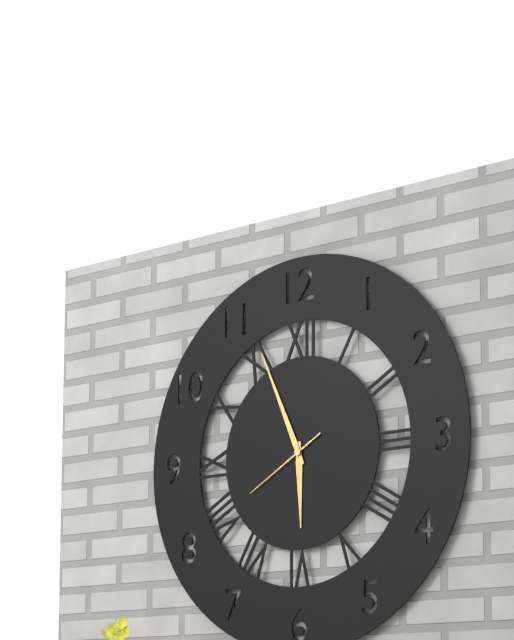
5:56:40
